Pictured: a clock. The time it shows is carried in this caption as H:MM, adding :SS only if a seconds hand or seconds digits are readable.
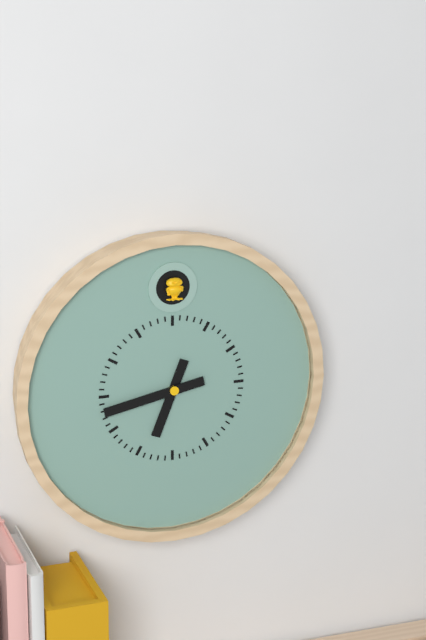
6:43
